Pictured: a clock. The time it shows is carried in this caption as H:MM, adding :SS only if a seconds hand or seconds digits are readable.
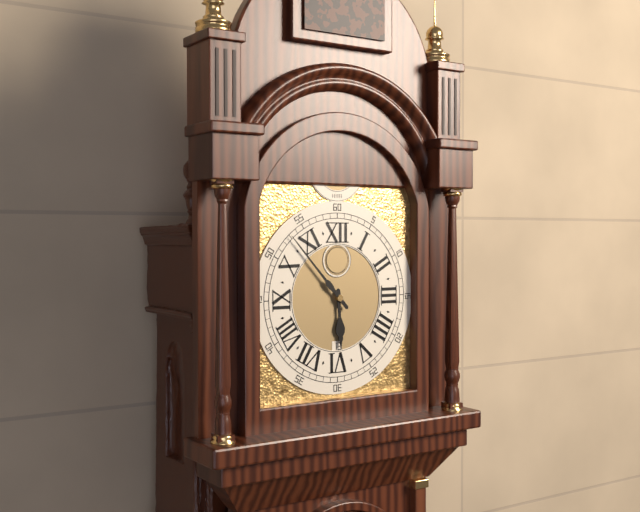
5:53
